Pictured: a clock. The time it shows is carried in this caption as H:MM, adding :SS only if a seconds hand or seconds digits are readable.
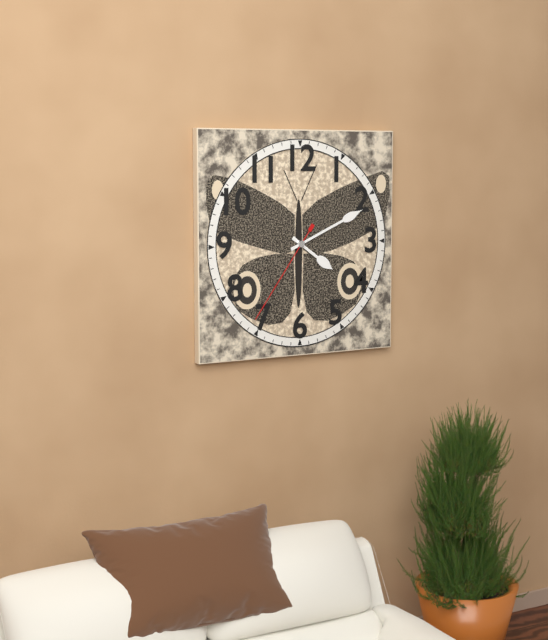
4:11:36
